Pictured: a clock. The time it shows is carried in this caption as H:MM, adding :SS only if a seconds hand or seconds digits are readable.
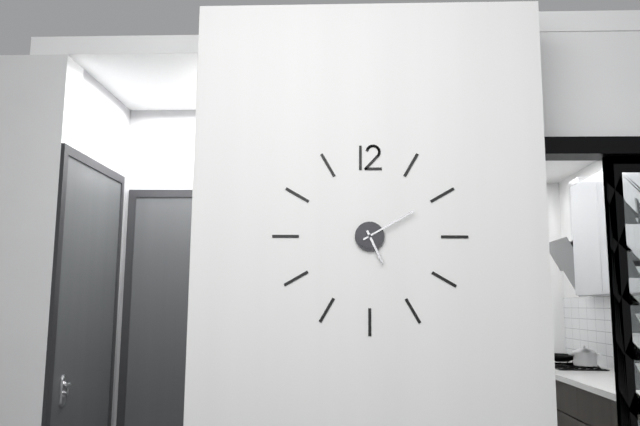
5:10
